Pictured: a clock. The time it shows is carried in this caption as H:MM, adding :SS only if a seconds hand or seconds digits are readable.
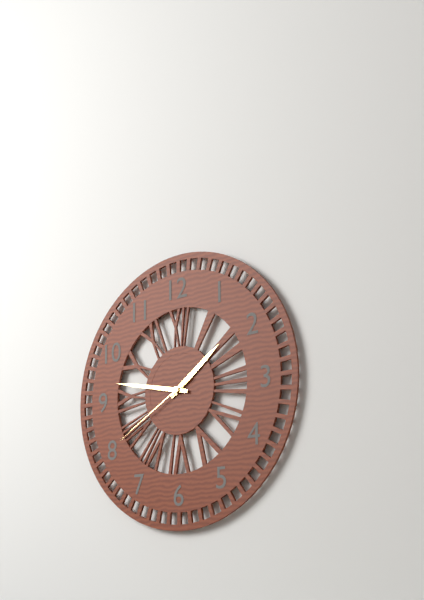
1:47:40
